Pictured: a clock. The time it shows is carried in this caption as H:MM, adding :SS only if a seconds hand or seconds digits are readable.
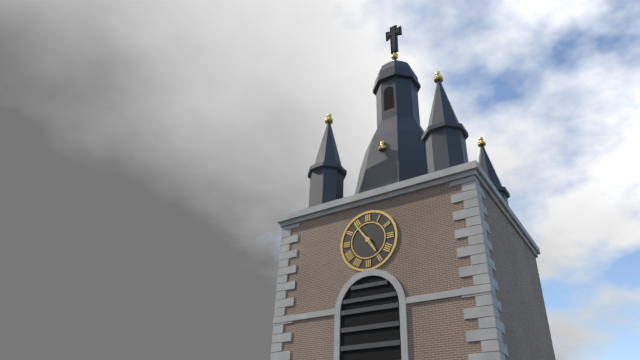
4:54
